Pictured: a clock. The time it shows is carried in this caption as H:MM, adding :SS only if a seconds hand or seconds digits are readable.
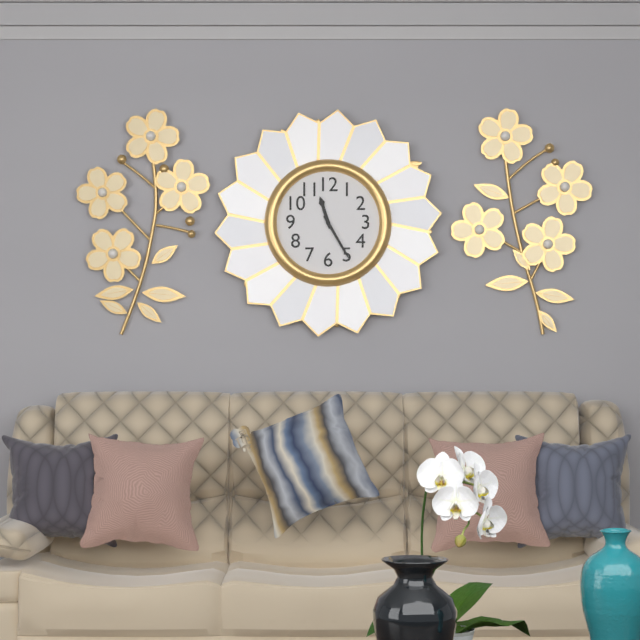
11:25
